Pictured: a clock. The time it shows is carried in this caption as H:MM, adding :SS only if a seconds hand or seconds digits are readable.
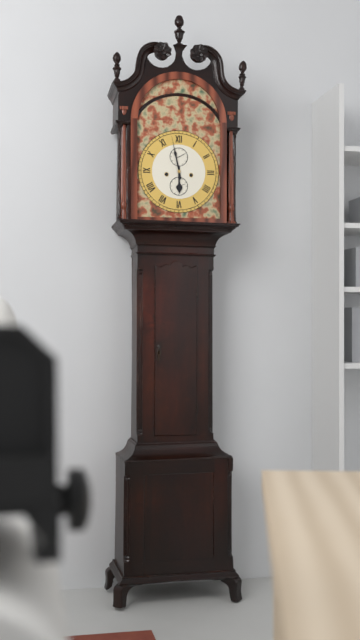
5:58
